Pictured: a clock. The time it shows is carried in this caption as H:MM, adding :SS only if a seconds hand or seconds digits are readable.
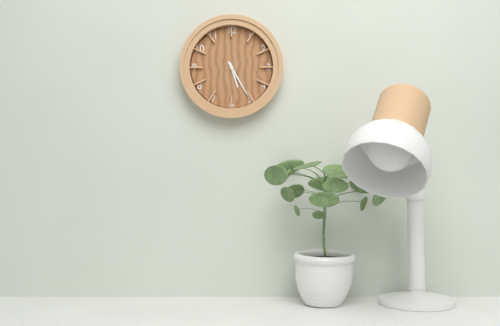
5:25
